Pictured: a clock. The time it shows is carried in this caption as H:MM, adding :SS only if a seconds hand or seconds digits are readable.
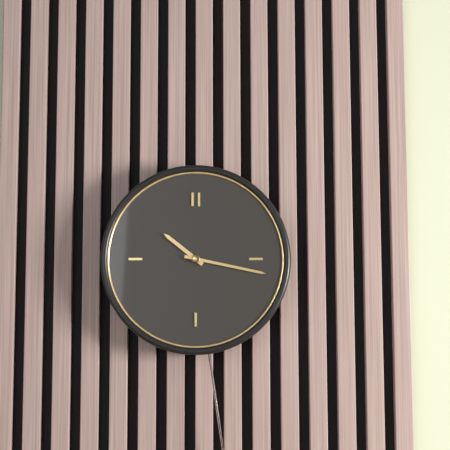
10:17
